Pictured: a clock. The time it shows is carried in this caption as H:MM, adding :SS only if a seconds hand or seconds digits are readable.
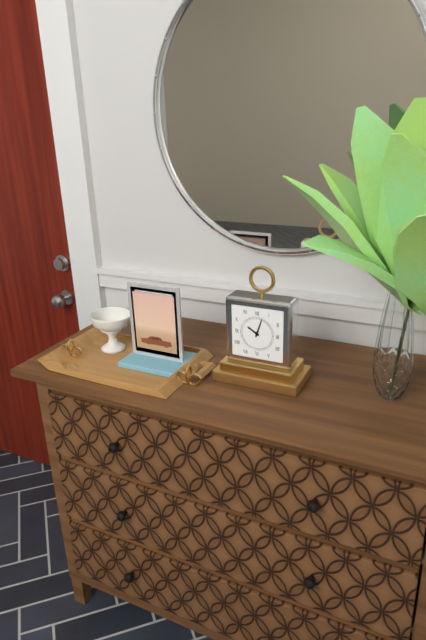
10:03
